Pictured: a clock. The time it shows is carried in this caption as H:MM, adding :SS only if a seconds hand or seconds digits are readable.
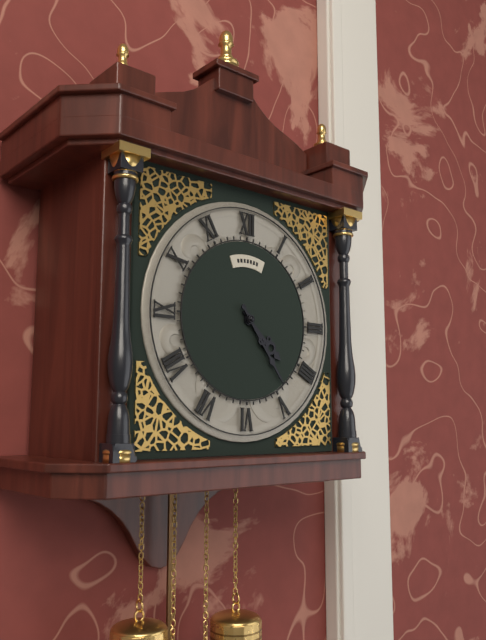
4:24
